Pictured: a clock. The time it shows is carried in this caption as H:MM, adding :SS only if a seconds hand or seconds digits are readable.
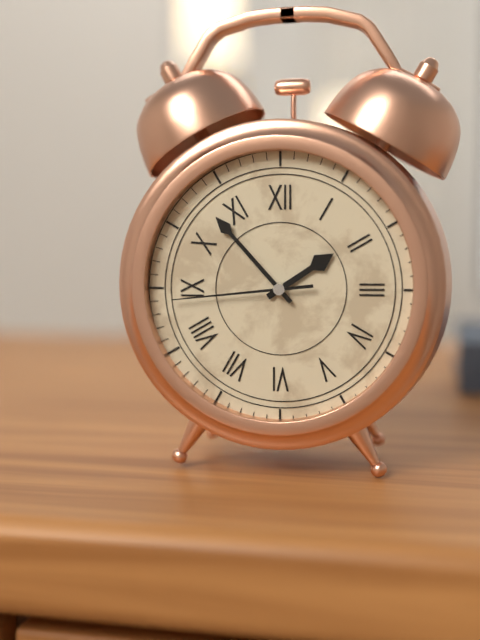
1:53:44
